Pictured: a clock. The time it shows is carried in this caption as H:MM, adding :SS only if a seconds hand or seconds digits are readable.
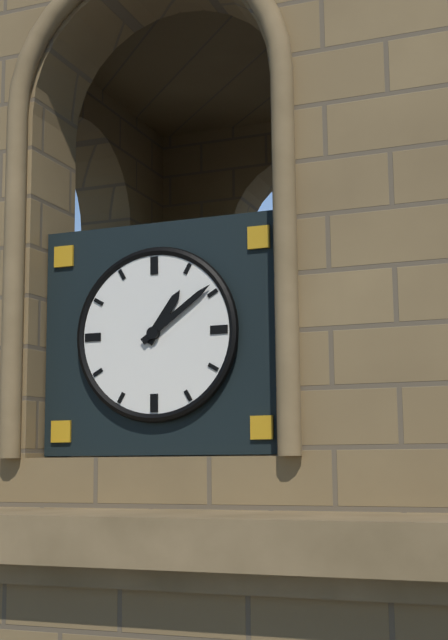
1:09
